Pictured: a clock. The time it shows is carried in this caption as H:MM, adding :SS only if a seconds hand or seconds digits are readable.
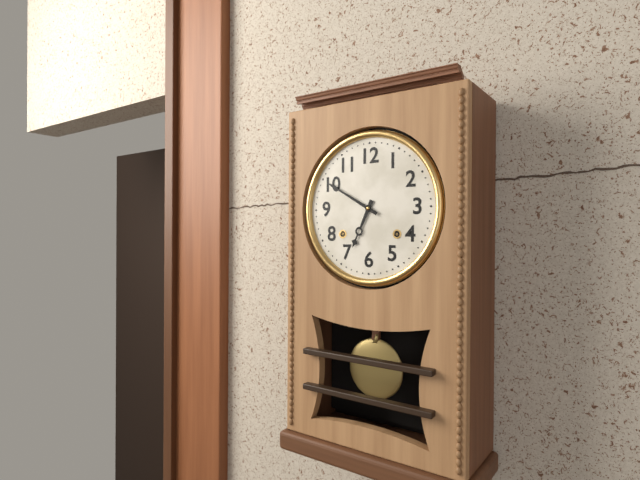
6:50
